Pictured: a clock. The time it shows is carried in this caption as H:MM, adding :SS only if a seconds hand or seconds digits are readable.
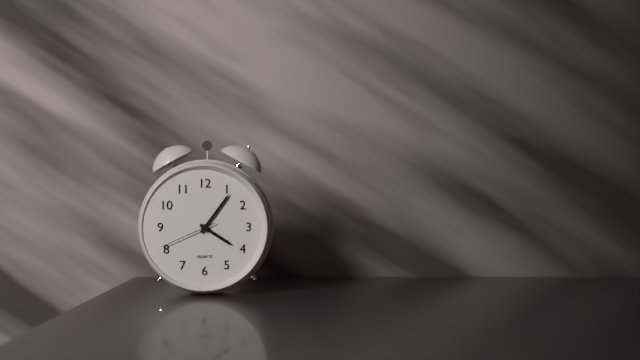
4:06:41
